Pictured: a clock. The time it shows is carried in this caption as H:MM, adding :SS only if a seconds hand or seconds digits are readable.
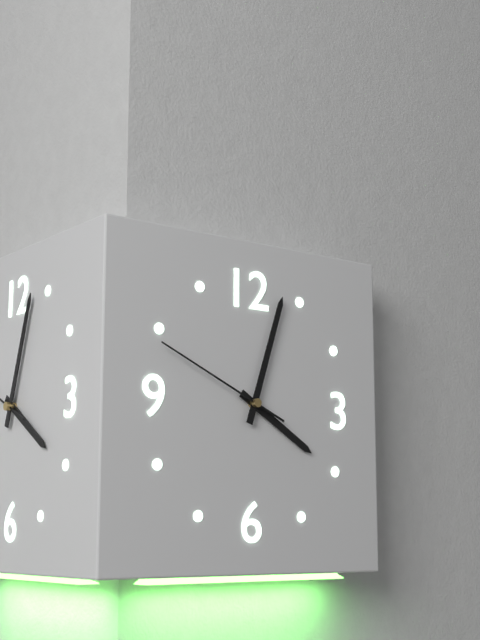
4:03:49
